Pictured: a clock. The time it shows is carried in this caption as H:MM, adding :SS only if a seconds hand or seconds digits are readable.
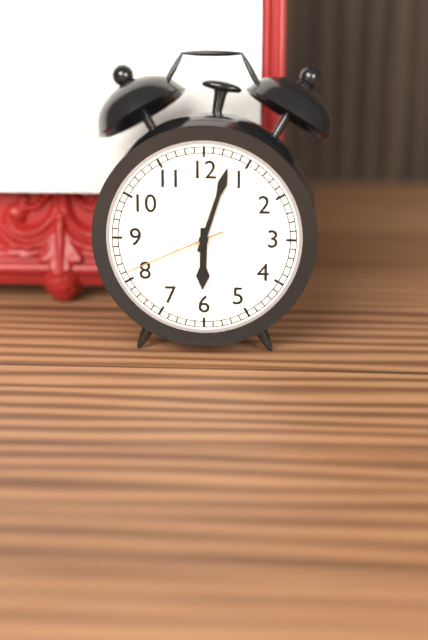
6:03:41
